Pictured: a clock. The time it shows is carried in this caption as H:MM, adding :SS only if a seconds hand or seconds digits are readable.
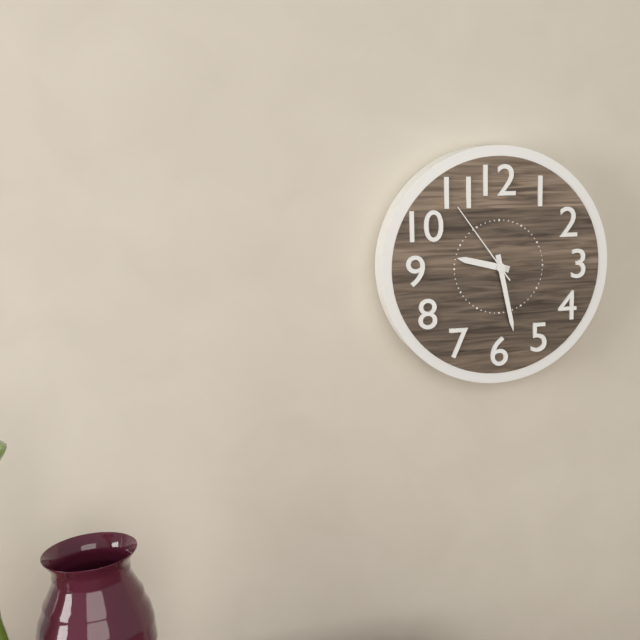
9:28:54
